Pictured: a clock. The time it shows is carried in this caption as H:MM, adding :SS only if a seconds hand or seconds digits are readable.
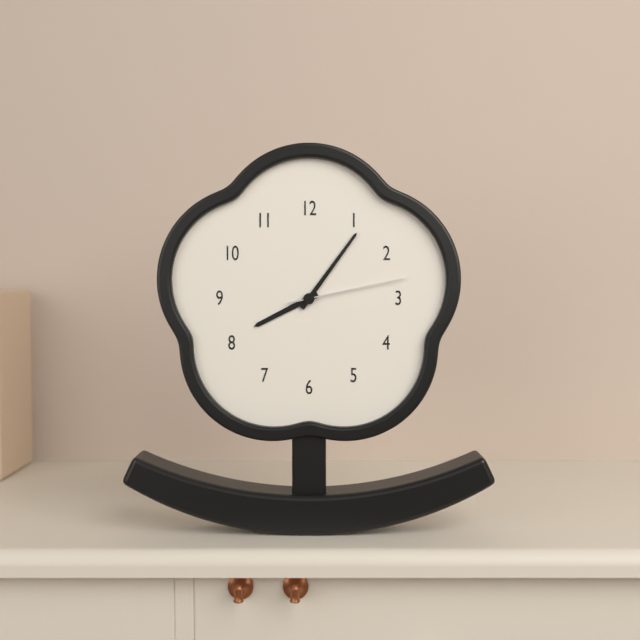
8:06:13
